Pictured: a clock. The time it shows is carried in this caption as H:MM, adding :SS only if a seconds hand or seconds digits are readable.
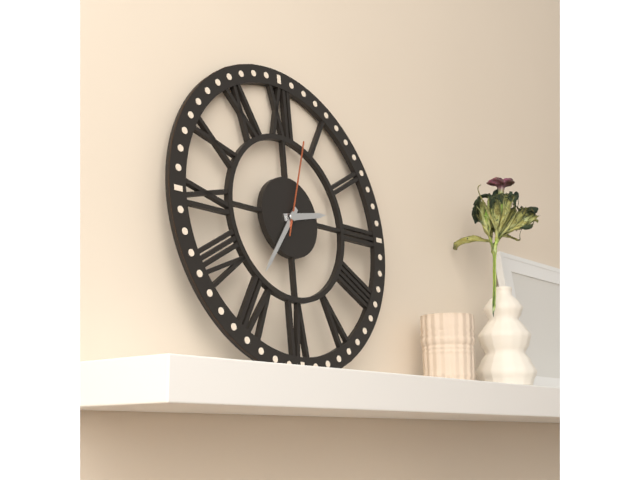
2:36:03
